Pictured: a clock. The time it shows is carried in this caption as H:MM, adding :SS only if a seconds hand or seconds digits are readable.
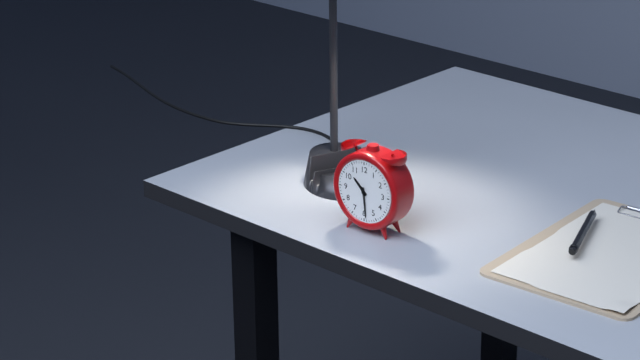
10:29
